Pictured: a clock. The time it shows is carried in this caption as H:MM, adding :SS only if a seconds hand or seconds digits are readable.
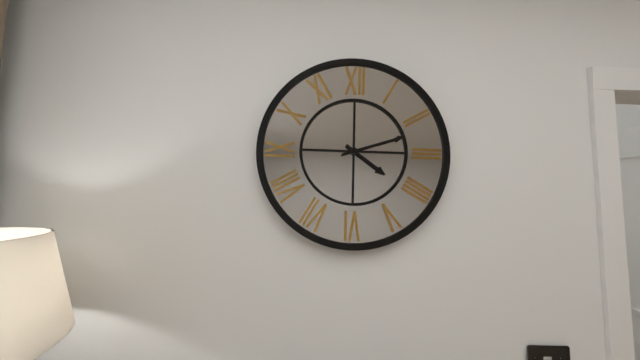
4:12
